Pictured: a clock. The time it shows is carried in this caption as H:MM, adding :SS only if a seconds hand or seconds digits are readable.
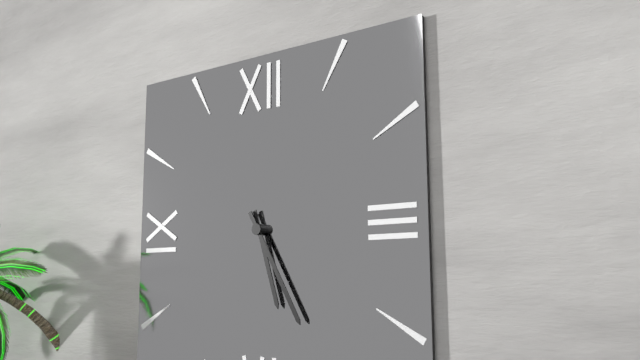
5:25
